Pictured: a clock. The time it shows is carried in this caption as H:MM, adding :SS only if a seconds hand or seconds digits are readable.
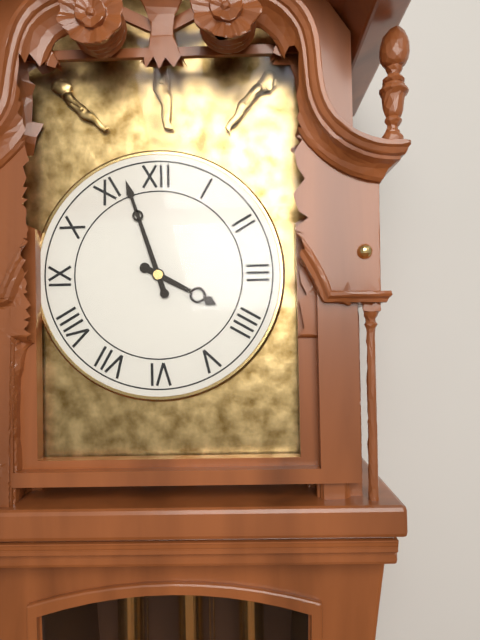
3:57
